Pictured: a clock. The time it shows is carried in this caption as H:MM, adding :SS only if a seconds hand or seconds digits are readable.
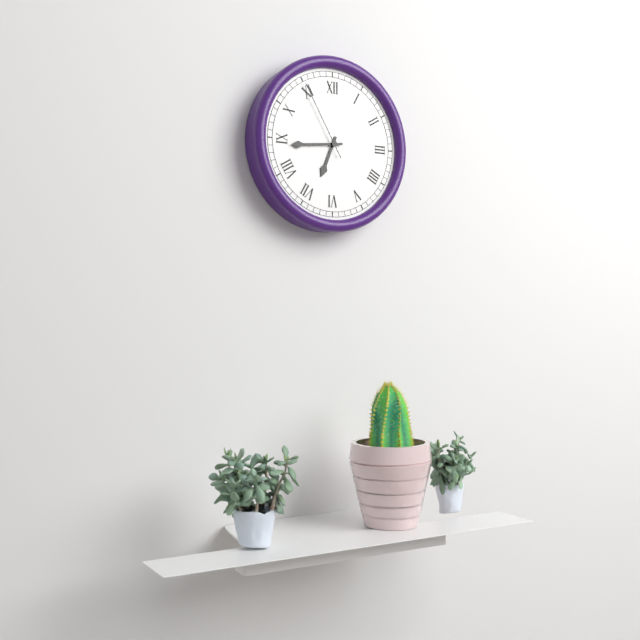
6:44:55
